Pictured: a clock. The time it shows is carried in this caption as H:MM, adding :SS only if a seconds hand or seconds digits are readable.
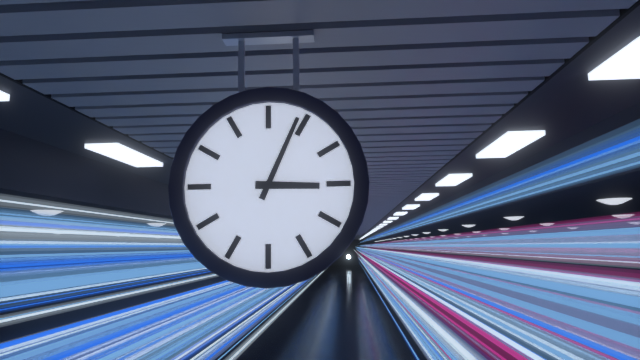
3:04
